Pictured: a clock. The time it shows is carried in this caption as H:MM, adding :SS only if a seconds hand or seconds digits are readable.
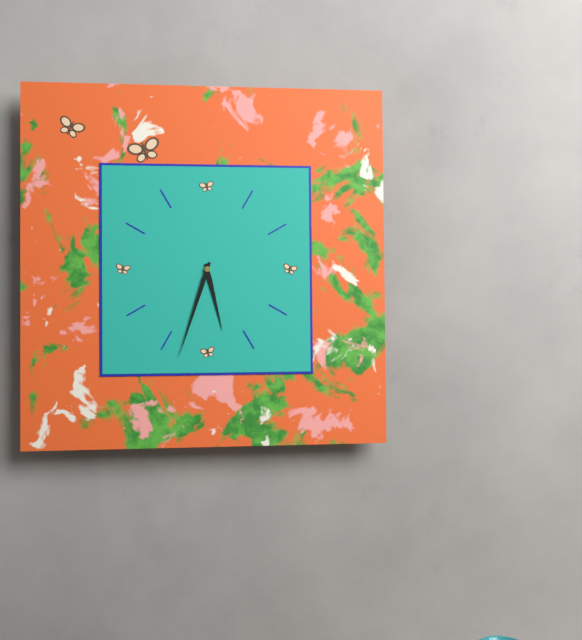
5:33
